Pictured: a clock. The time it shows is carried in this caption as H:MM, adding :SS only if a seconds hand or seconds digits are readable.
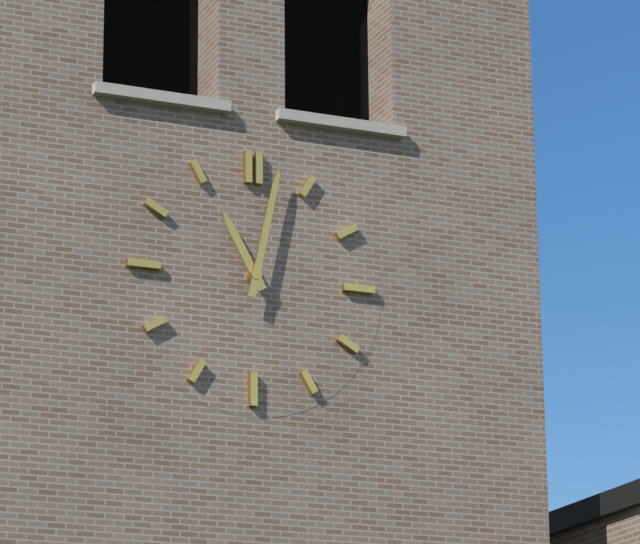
11:02
